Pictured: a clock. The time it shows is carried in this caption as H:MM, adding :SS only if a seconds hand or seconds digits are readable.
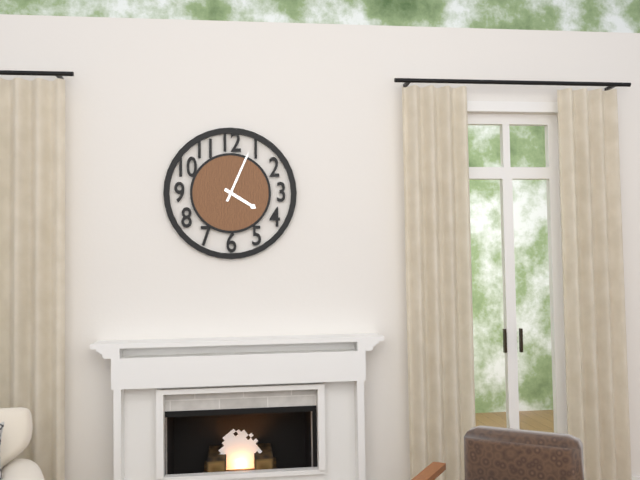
4:04
